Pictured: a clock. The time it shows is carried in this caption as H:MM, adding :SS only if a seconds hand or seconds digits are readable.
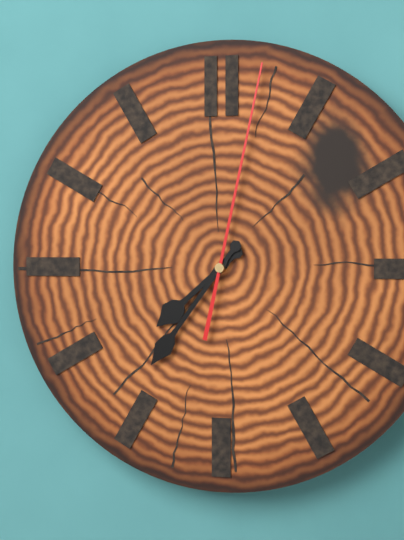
7:36:02
